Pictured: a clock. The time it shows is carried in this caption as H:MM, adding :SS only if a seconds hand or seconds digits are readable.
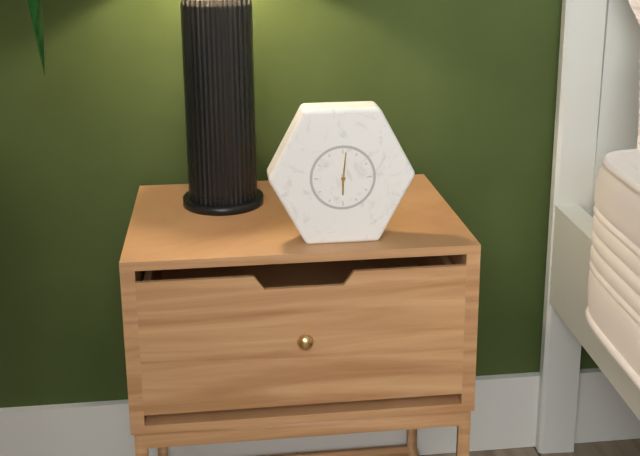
6:01
